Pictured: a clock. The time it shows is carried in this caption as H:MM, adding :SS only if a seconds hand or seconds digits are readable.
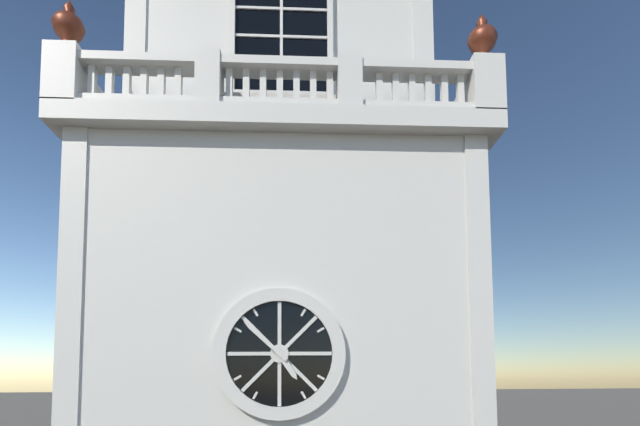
4:52
